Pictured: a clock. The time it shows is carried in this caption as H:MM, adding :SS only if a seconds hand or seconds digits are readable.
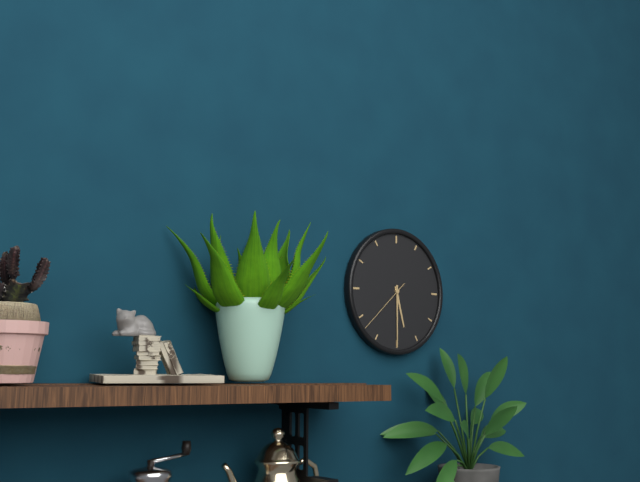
5:30:38
